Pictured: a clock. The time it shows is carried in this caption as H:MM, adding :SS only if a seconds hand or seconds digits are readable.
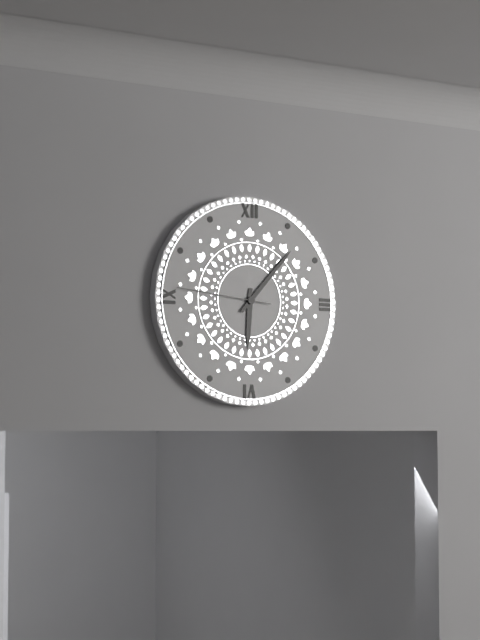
6:07:46
